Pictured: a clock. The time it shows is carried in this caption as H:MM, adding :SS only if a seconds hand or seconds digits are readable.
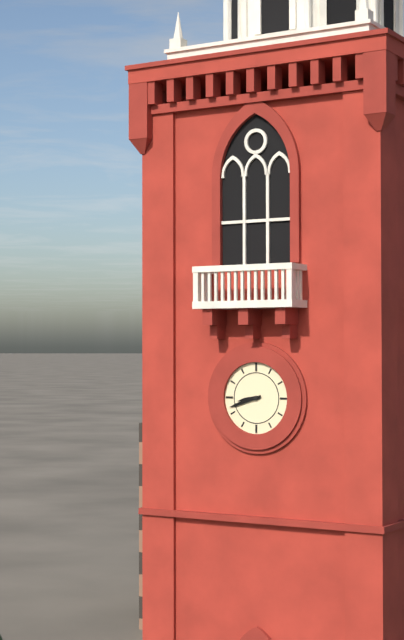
8:42
